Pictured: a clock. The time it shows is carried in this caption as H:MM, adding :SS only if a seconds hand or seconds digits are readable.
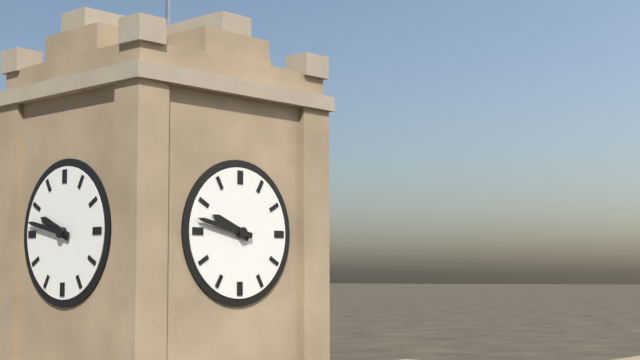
9:47
